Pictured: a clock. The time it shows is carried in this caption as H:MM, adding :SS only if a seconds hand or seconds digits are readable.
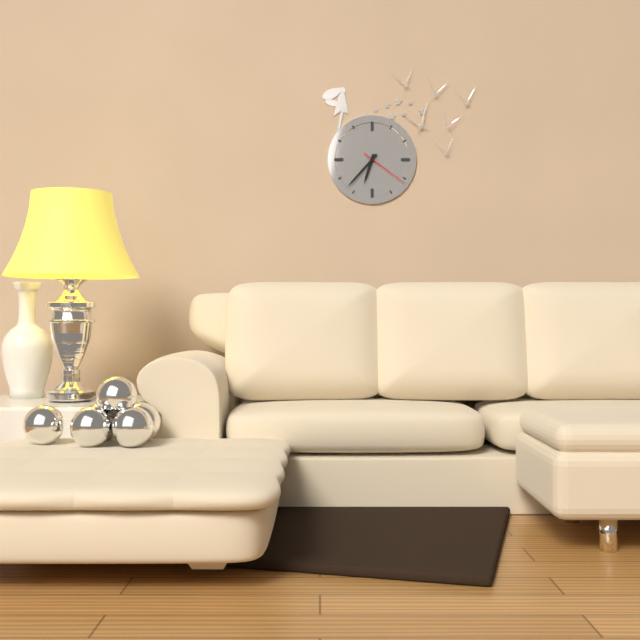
6:37
